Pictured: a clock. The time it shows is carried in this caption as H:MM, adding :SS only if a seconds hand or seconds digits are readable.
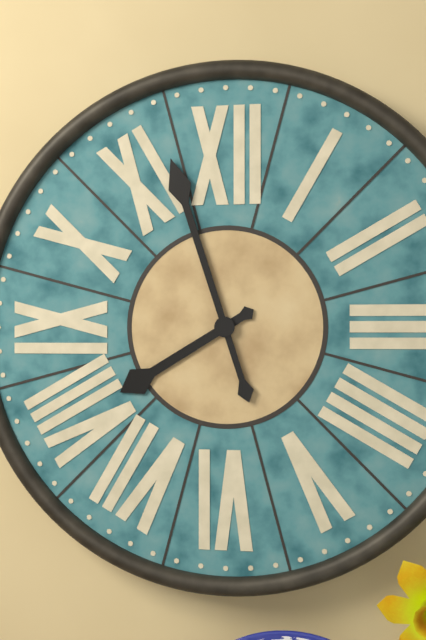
7:57
